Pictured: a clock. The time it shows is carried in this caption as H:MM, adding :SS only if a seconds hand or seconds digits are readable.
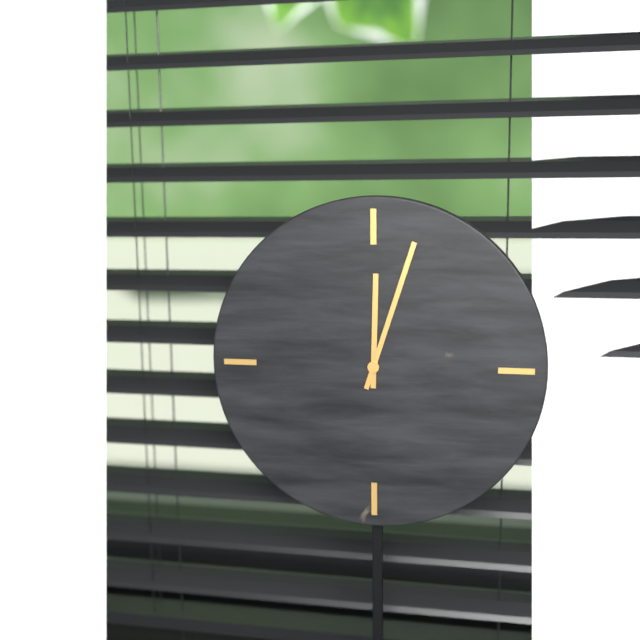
12:03
